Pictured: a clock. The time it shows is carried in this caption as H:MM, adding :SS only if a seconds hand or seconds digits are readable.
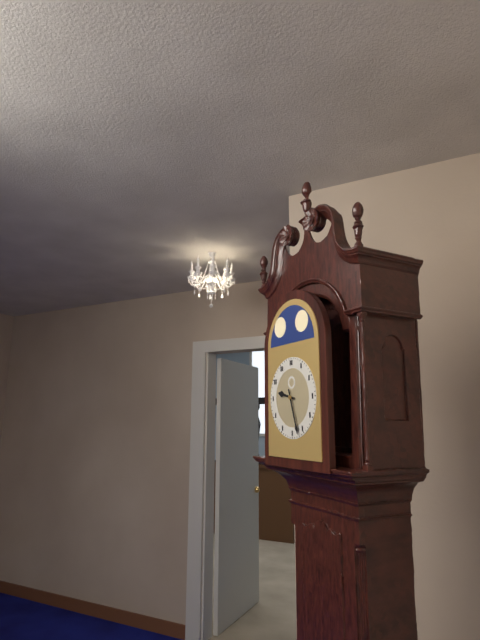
9:27
